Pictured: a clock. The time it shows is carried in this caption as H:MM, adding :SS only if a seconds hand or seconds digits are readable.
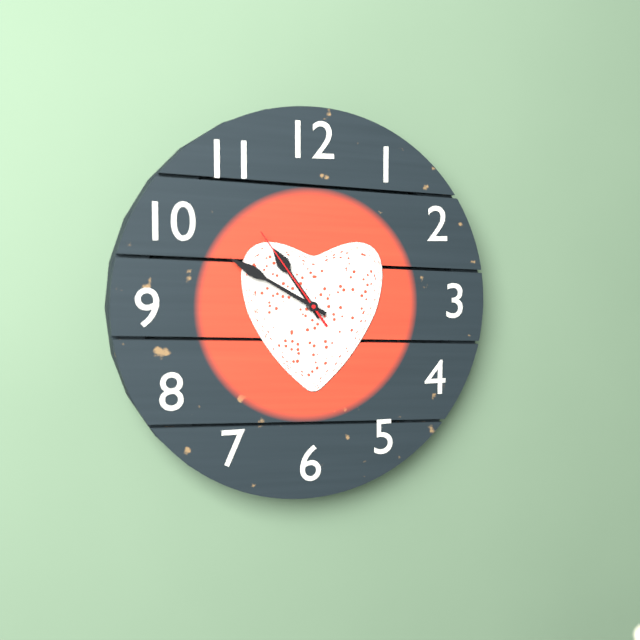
10:50:54
